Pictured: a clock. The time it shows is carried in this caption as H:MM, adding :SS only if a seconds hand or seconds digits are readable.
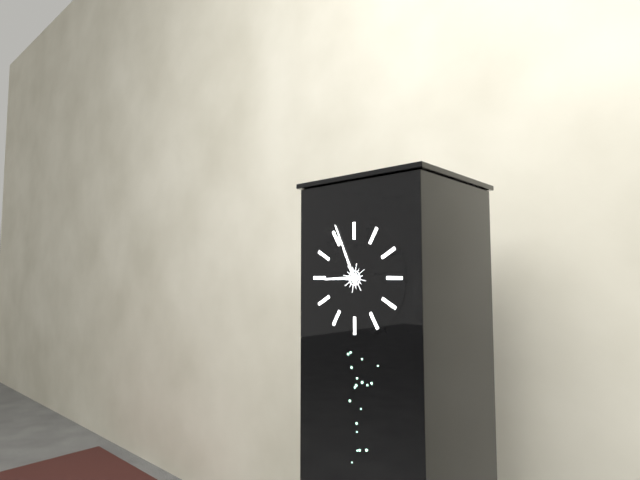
8:56
